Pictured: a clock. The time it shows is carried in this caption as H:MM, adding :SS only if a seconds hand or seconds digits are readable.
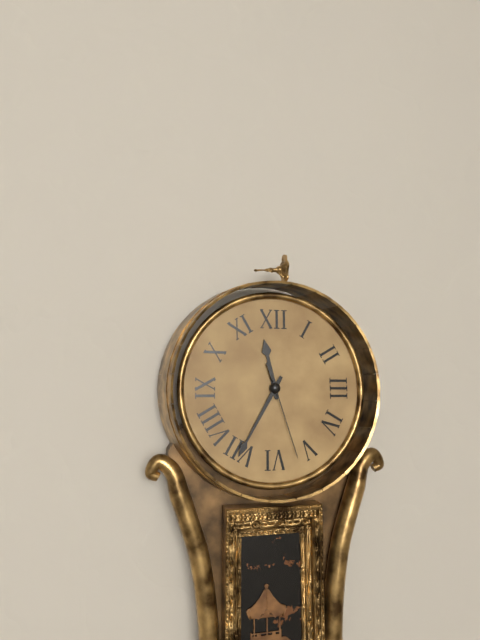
11:35:27
